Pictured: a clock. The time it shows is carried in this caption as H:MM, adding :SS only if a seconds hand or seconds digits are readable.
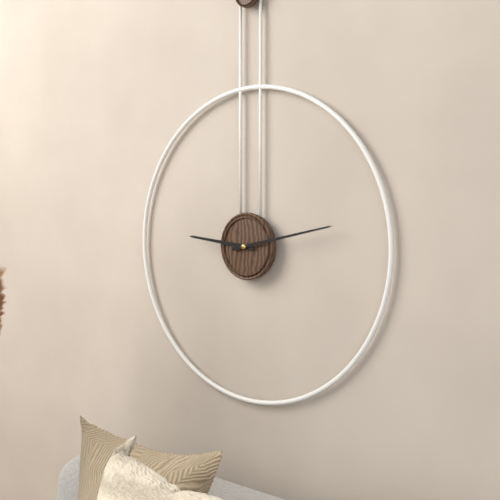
9:13
